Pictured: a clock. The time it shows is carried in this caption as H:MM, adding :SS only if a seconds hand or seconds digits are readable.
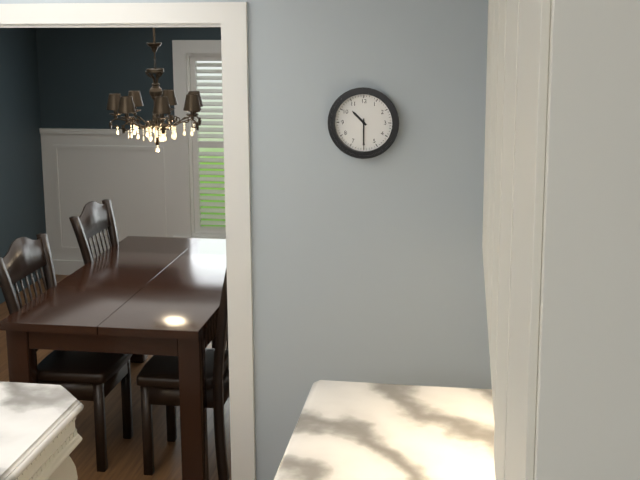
10:30
